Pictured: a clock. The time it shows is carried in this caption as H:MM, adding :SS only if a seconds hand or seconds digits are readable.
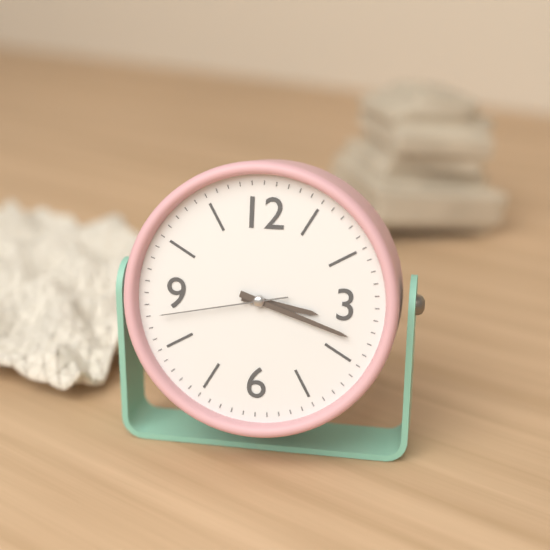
3:18:43
